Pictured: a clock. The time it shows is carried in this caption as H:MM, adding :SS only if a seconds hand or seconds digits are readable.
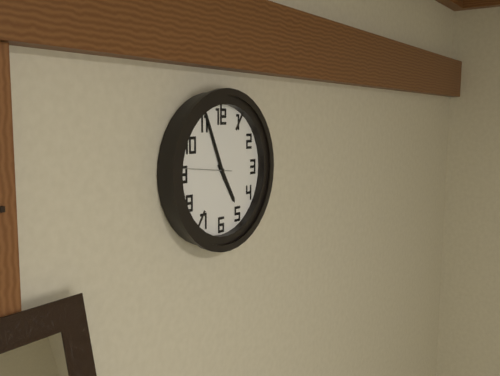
4:56
